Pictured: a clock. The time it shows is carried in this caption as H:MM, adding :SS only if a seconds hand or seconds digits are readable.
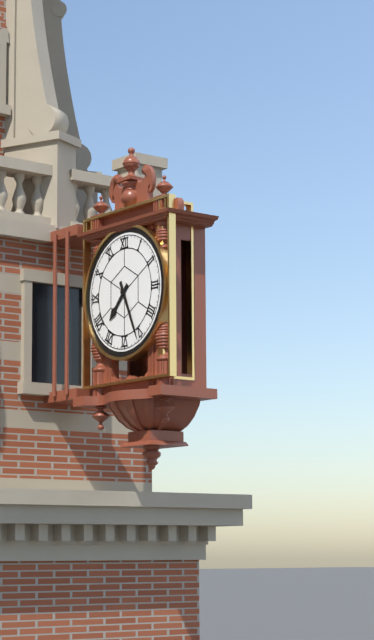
7:26
